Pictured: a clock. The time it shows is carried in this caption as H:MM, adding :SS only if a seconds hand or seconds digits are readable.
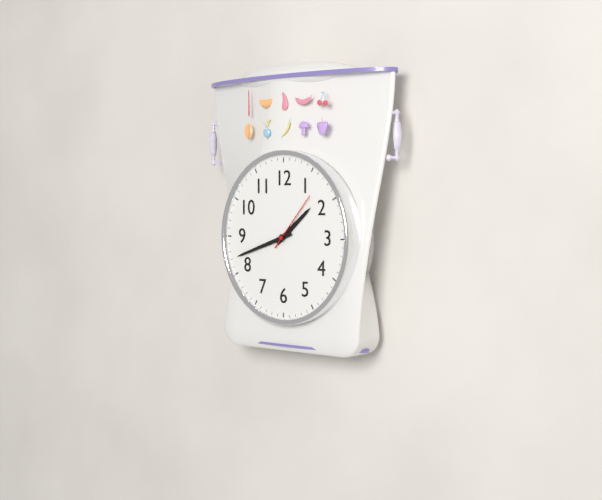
1:42:07
